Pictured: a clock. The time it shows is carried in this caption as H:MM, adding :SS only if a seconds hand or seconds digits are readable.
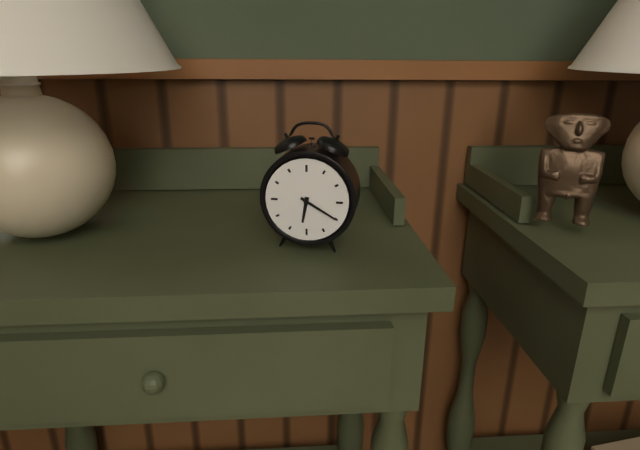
6:20
